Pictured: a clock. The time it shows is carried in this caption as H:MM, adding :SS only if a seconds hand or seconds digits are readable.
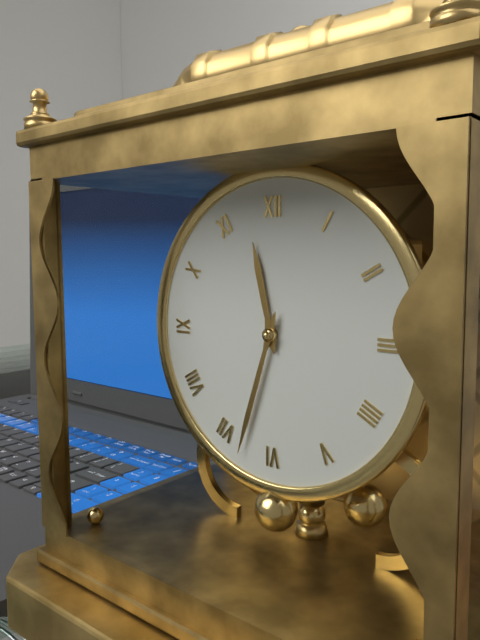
11:33
